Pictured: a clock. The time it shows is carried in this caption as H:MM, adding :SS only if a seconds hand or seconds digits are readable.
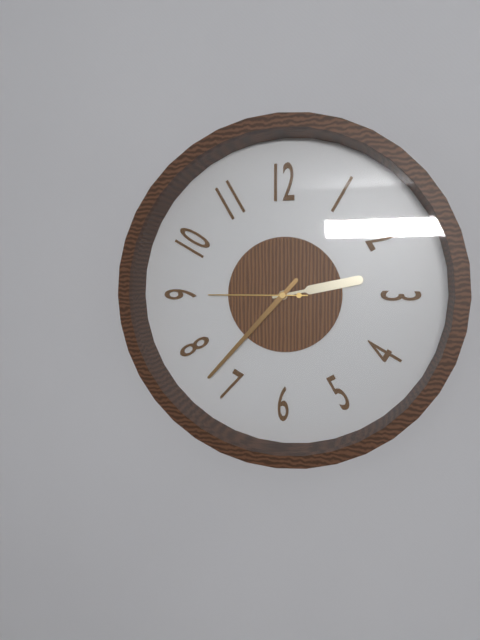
2:37:45
